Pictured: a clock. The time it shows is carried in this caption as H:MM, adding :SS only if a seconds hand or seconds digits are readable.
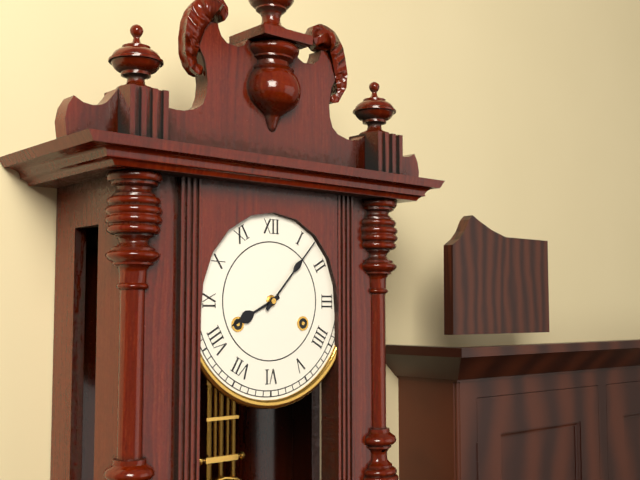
8:07
